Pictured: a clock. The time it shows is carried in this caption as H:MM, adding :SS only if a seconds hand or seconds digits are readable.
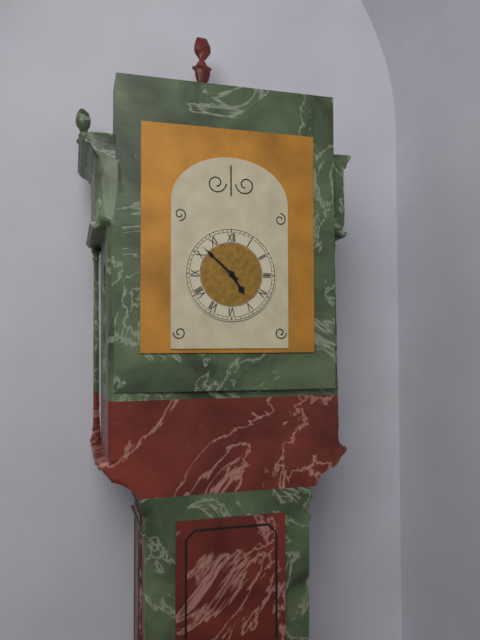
4:52
